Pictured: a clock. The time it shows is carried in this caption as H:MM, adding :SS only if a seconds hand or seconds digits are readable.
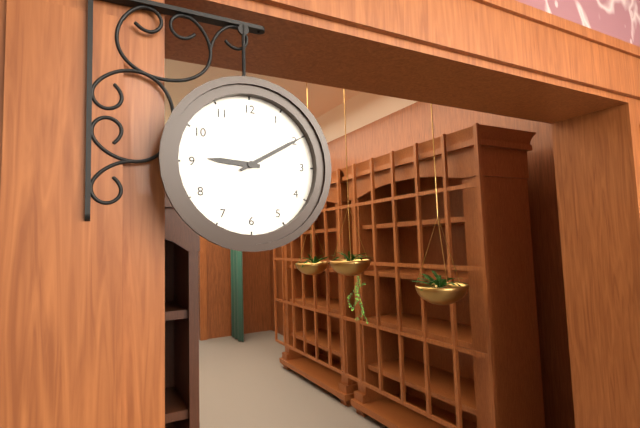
9:10
